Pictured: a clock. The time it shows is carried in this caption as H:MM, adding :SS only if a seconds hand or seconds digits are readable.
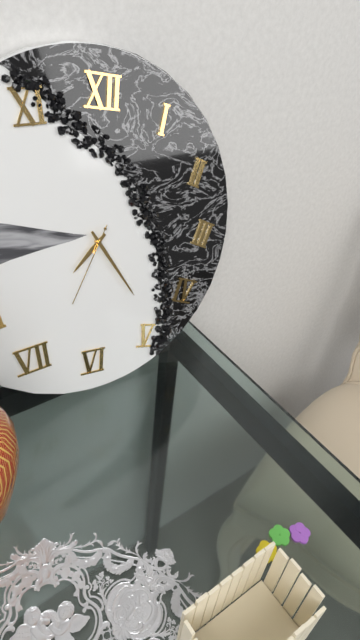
7:24:34
